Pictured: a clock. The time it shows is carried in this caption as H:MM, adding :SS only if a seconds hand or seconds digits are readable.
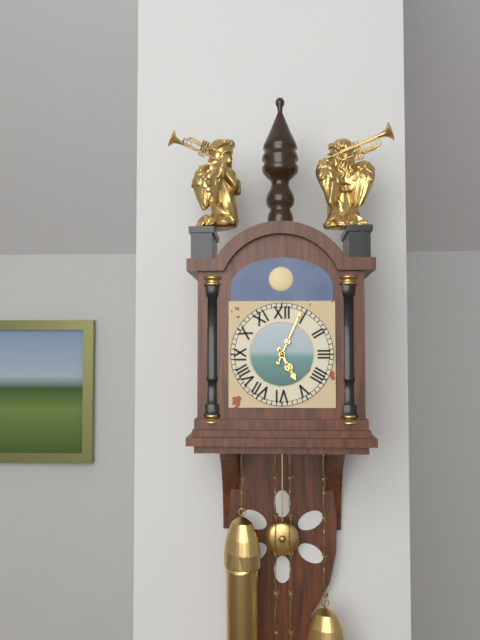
5:04
